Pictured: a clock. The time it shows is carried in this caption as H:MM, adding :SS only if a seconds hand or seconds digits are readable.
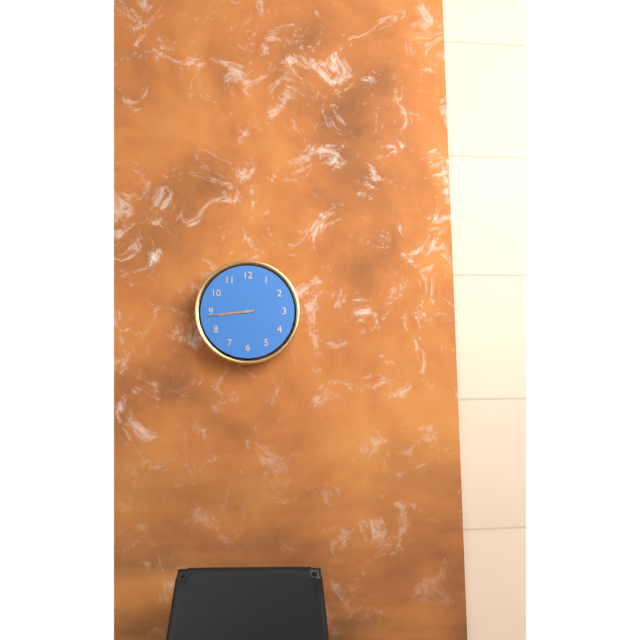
8:44
